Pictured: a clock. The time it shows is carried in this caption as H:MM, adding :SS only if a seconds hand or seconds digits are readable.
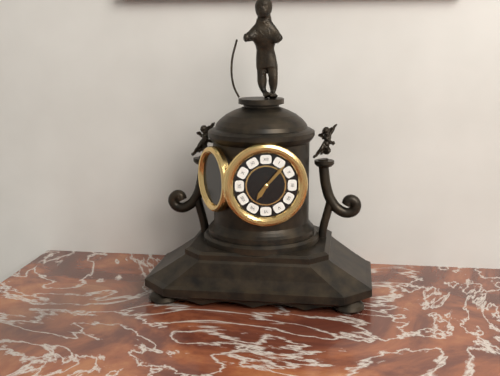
7:07
